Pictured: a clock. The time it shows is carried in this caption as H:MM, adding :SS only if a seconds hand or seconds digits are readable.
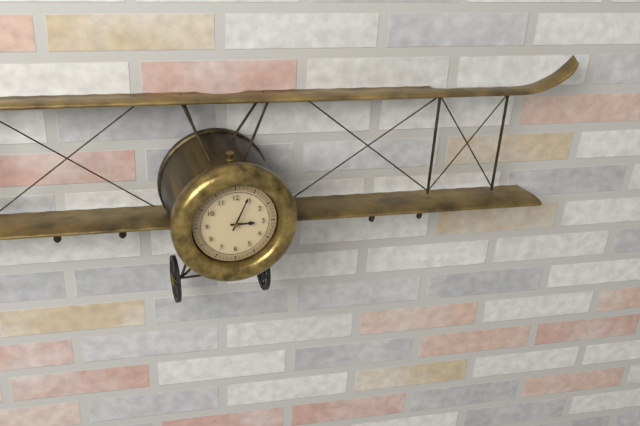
3:04
